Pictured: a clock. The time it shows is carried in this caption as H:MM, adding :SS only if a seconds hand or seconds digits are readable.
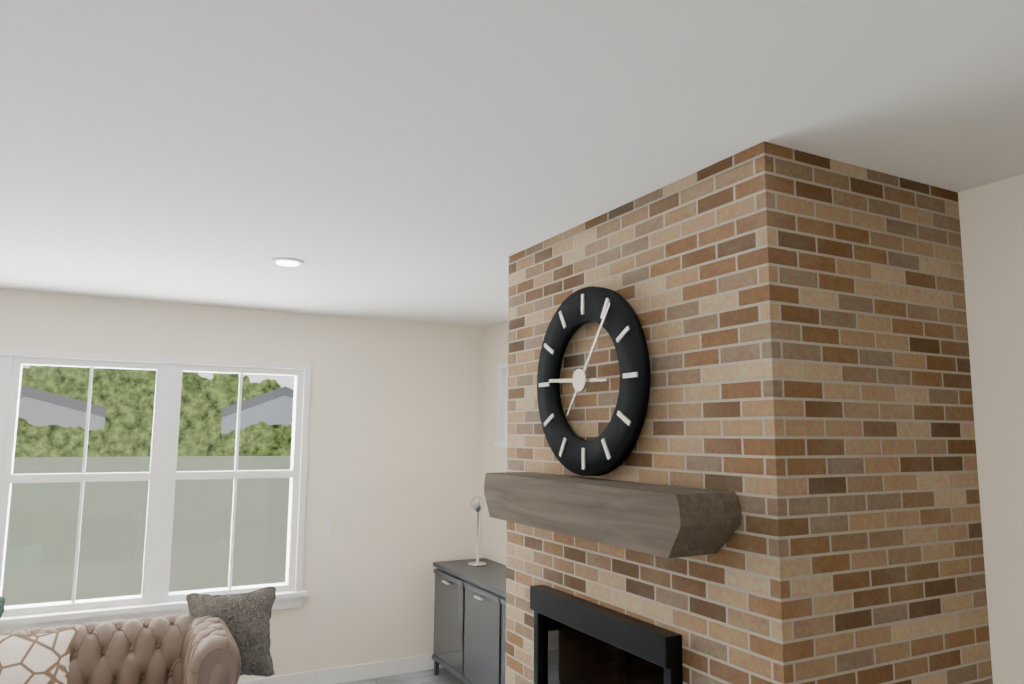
9:06
